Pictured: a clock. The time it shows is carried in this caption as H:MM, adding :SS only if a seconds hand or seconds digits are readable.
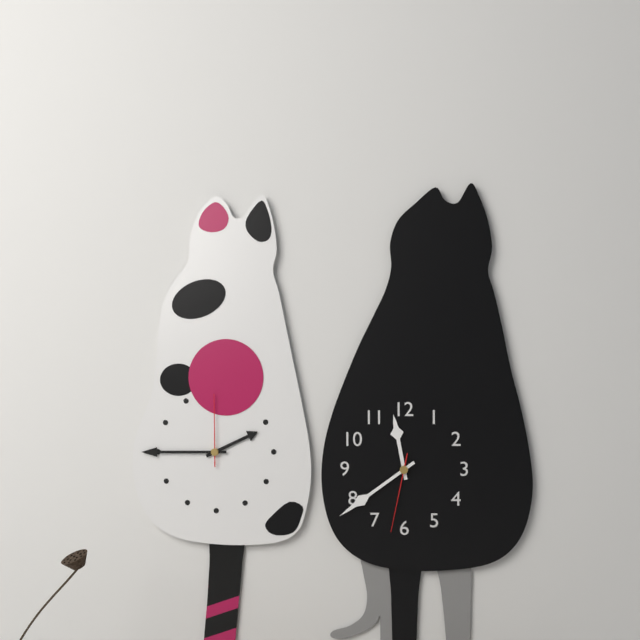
11:39:32
